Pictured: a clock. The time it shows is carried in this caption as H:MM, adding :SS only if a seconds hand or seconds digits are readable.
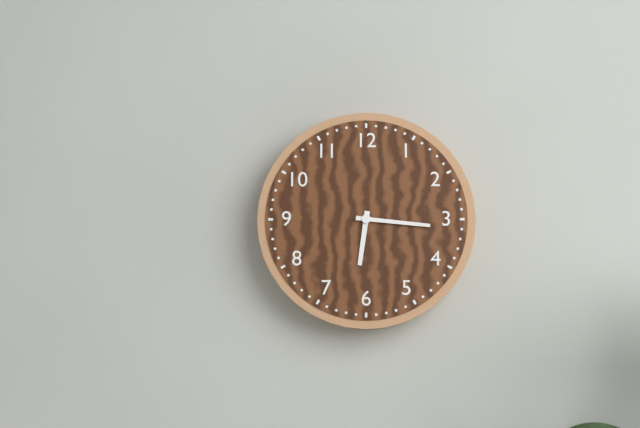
6:16
